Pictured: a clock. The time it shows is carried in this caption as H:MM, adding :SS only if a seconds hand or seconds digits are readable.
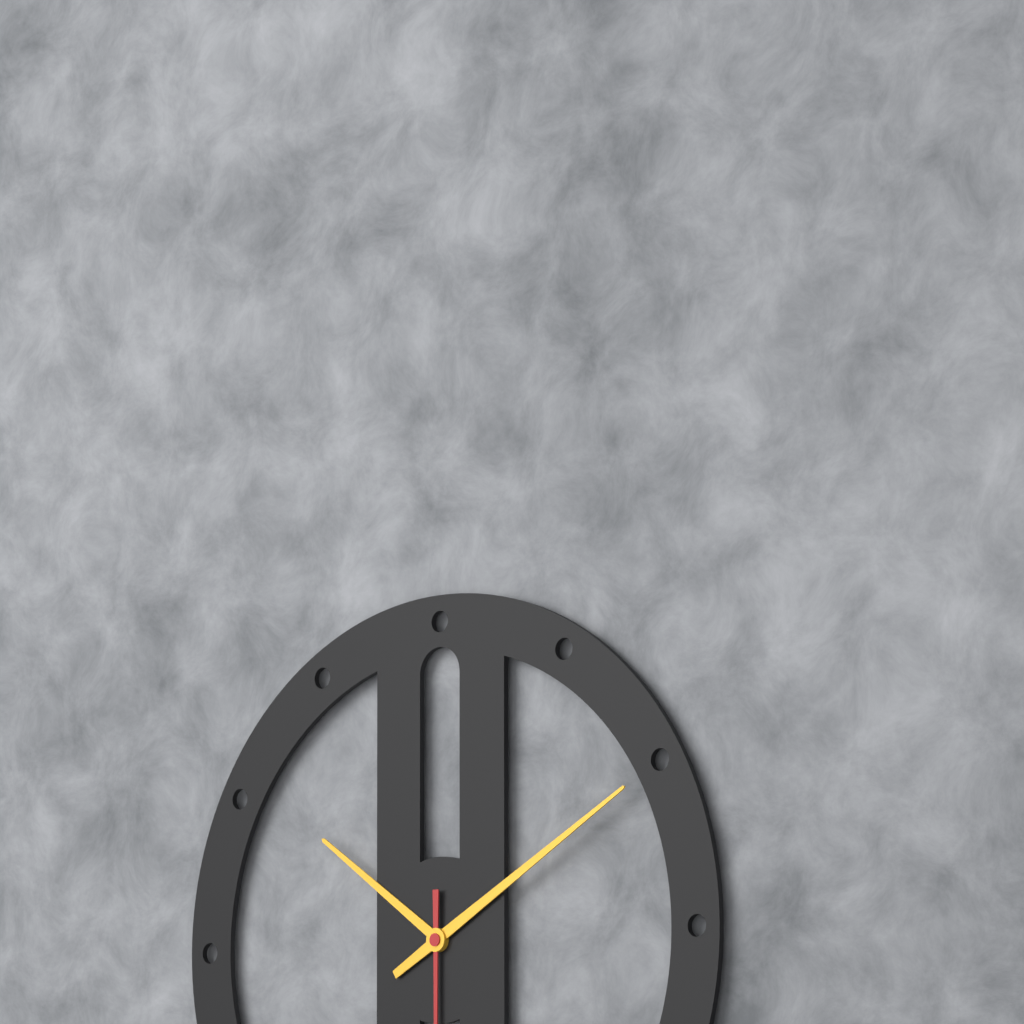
10:10
